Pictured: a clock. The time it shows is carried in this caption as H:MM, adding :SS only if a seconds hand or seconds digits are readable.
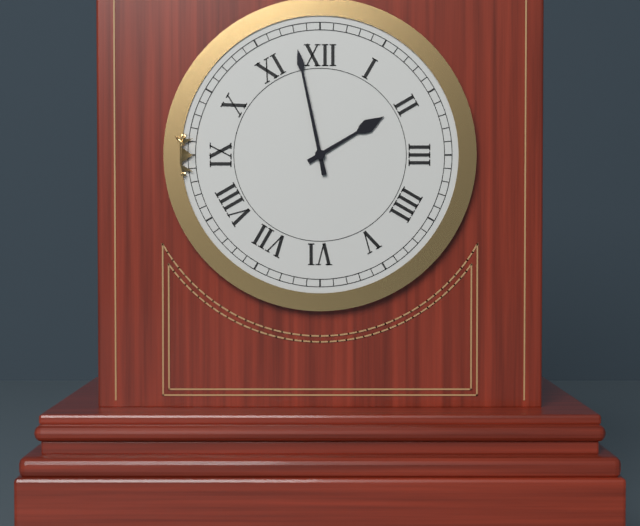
1:58
